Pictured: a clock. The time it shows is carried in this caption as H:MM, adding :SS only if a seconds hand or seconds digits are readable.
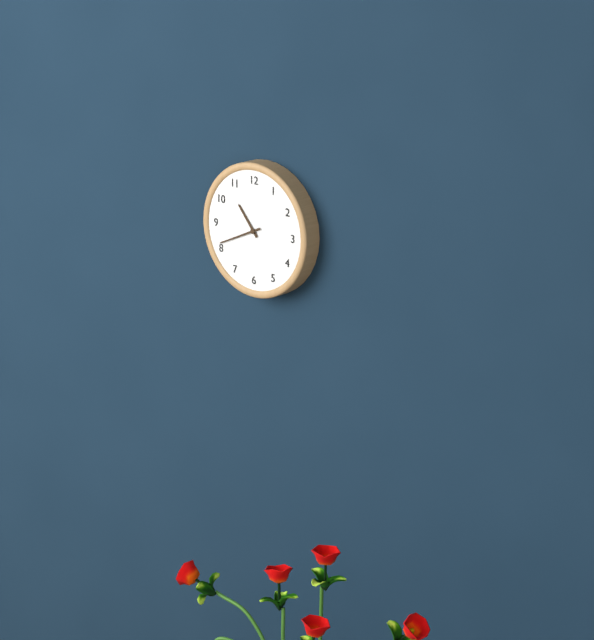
10:41
